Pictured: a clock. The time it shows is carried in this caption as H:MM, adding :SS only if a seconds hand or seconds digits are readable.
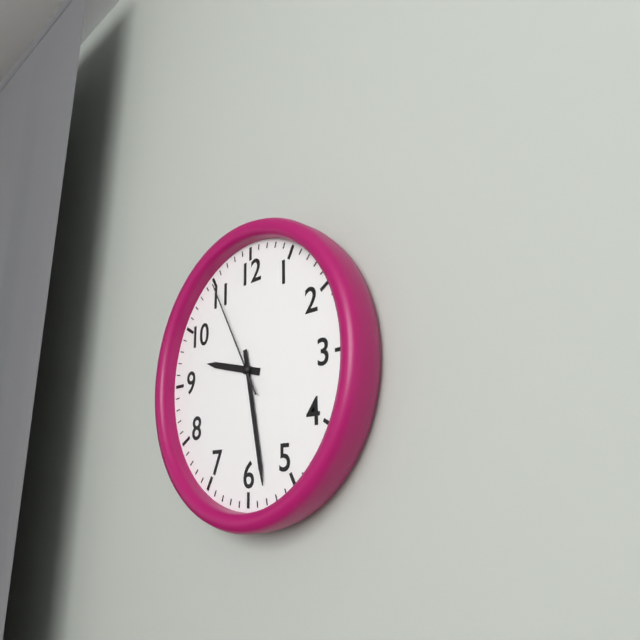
9:28:55
